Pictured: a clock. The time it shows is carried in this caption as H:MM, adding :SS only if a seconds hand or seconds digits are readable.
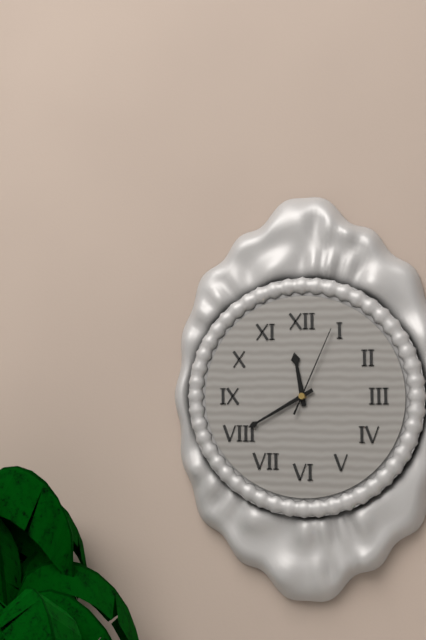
11:40:04
